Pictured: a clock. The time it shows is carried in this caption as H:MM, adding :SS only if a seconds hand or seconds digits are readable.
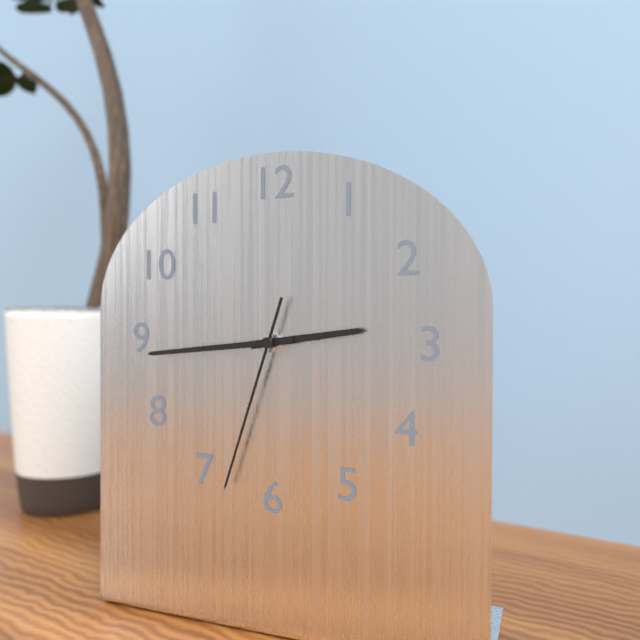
2:44:33
